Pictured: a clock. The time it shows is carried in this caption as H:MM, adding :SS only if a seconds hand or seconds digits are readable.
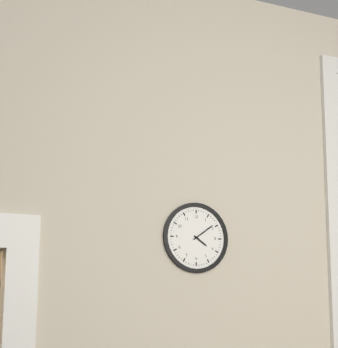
4:09
